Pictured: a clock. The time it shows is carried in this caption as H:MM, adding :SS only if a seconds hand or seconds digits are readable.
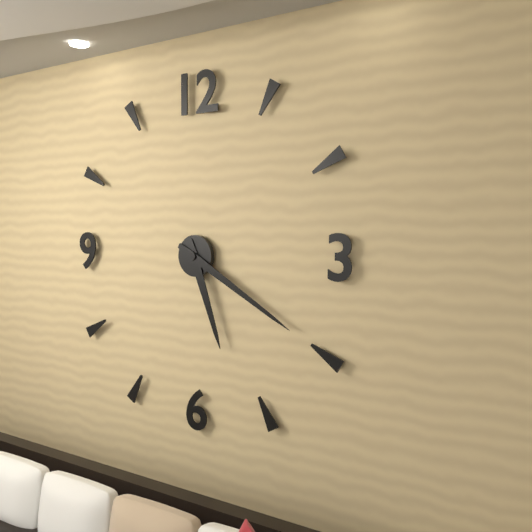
5:20
